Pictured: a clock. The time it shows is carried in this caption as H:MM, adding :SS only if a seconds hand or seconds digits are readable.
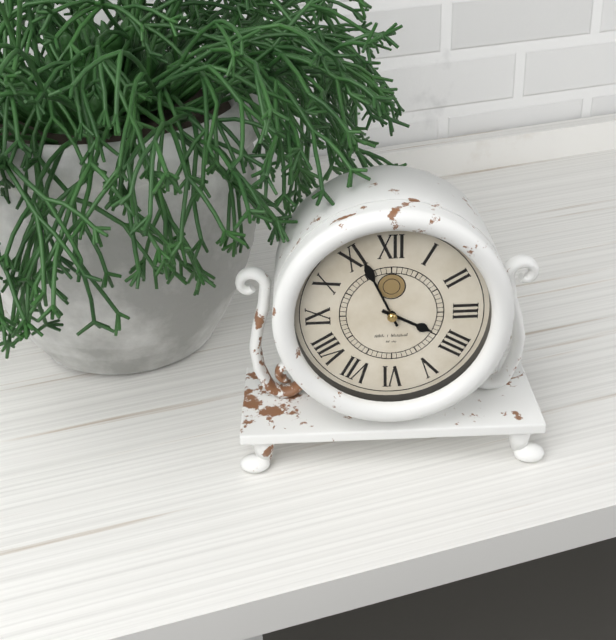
3:56
